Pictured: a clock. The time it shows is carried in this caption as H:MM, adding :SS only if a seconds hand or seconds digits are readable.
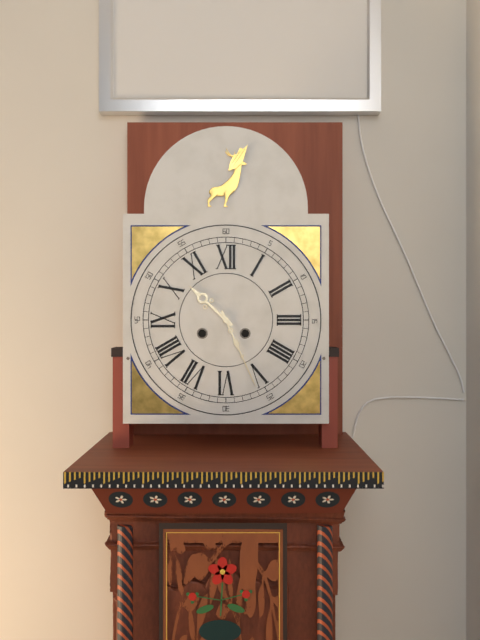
10:26
